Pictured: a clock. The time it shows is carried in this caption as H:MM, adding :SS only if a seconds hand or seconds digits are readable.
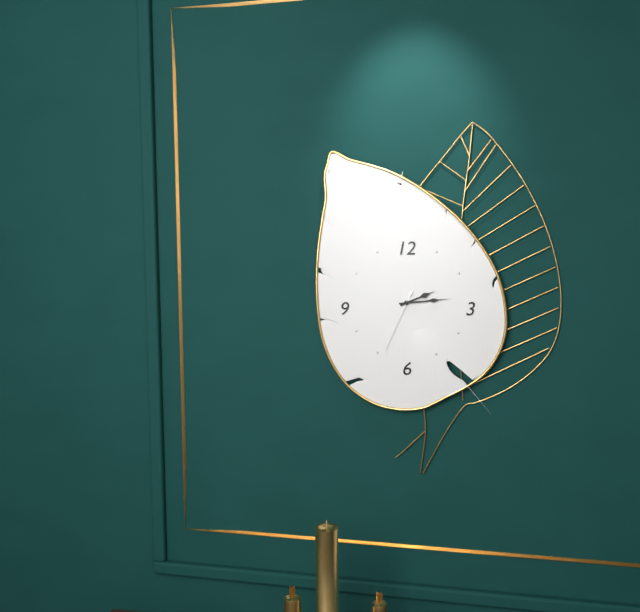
2:14:34
